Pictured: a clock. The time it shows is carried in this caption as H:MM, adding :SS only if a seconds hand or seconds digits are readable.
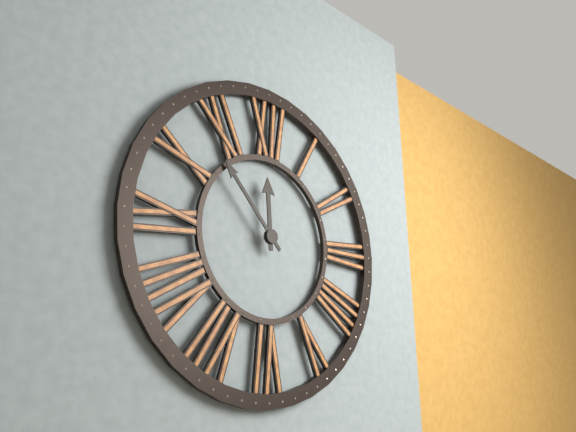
11:53
